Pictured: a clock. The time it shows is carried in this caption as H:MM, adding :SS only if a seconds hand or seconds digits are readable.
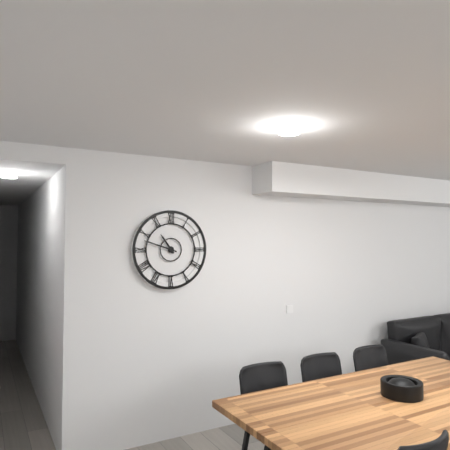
10:48
